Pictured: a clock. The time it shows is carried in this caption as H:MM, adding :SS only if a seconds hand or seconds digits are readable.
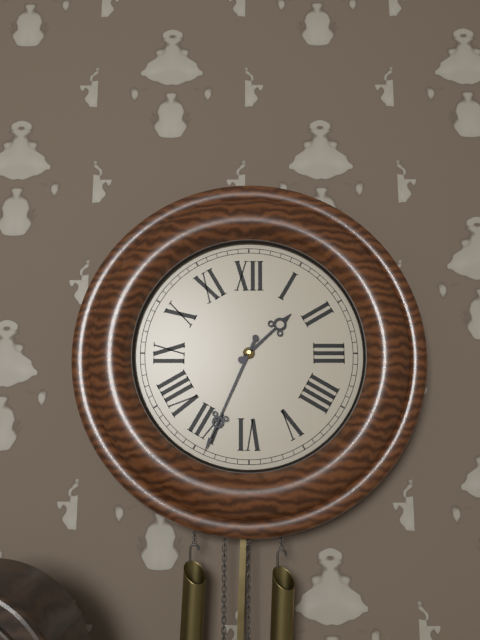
1:34
